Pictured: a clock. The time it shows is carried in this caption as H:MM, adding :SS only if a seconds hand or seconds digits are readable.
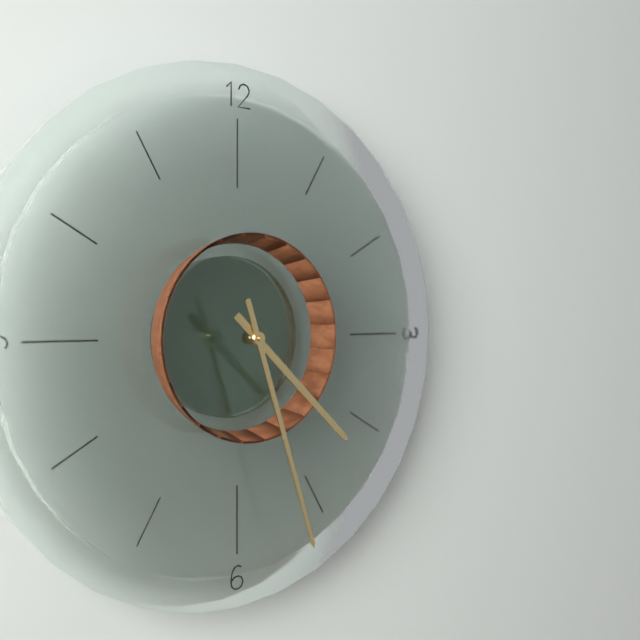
4:27
